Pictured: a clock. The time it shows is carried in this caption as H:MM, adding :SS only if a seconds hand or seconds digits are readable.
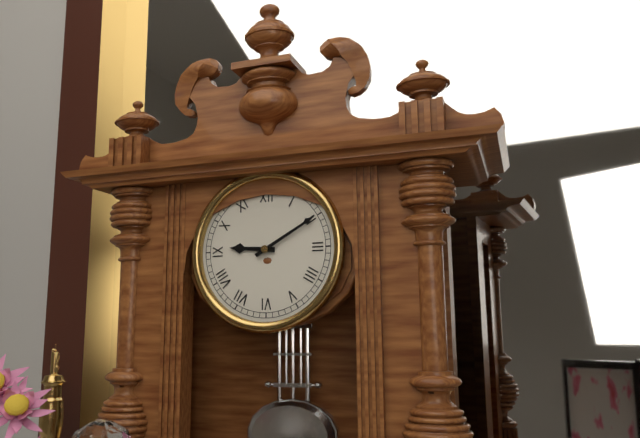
9:10
